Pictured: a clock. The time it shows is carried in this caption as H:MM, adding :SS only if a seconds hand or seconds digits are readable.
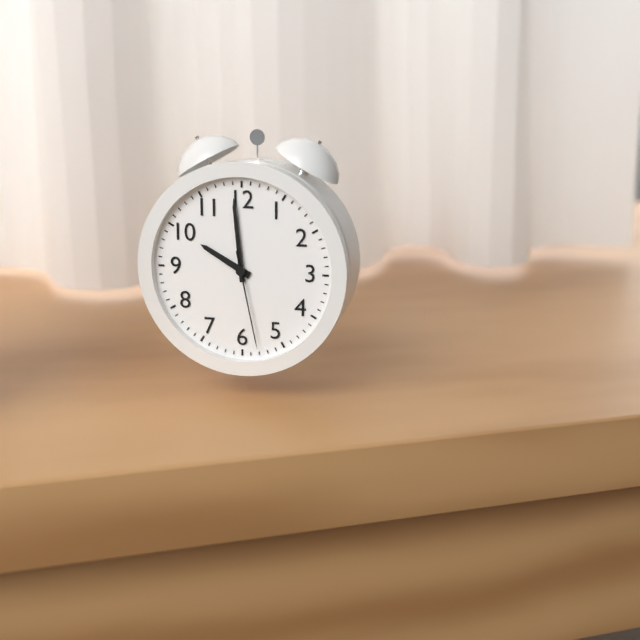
9:59:28
